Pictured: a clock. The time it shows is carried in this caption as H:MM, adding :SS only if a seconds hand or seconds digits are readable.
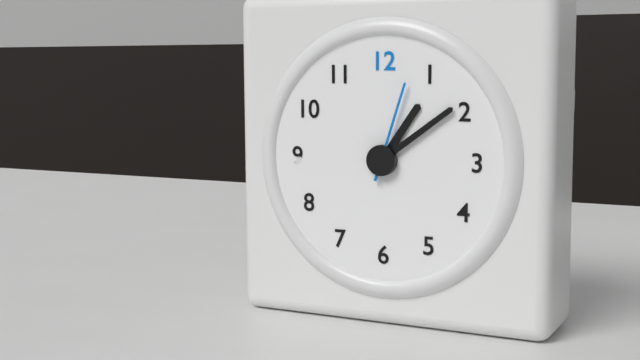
1:09:03
